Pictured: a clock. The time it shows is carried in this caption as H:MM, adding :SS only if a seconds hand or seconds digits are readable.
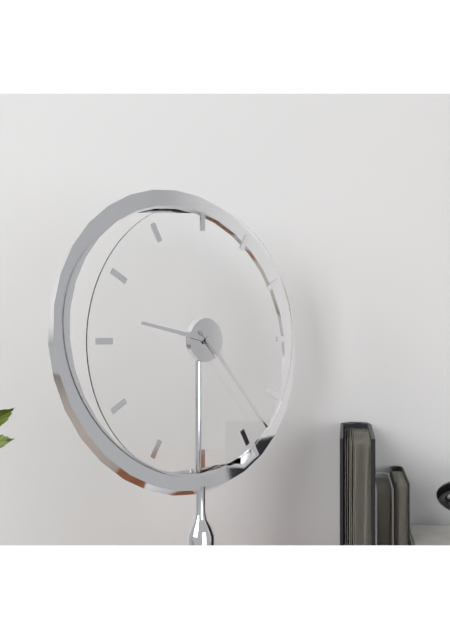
9:23
